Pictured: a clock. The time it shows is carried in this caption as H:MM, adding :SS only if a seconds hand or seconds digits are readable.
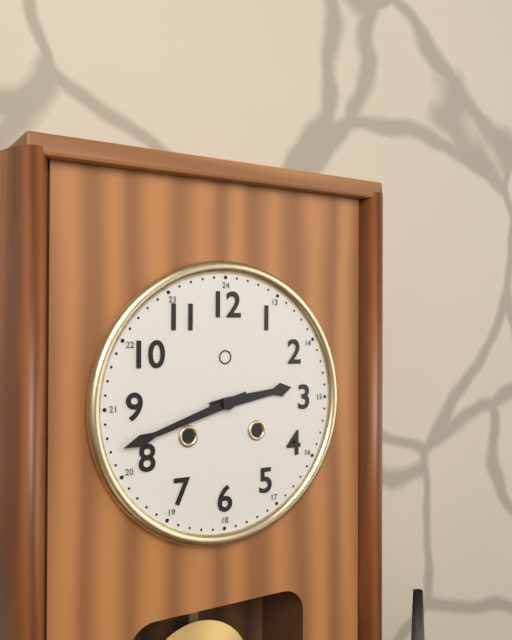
2:42
